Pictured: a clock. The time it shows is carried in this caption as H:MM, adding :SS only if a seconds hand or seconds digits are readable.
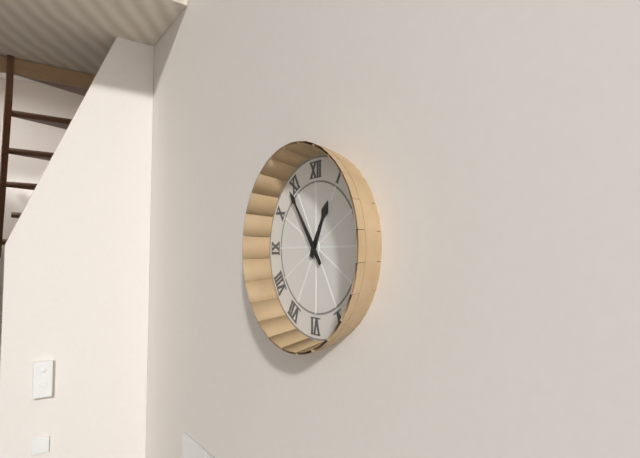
12:54
